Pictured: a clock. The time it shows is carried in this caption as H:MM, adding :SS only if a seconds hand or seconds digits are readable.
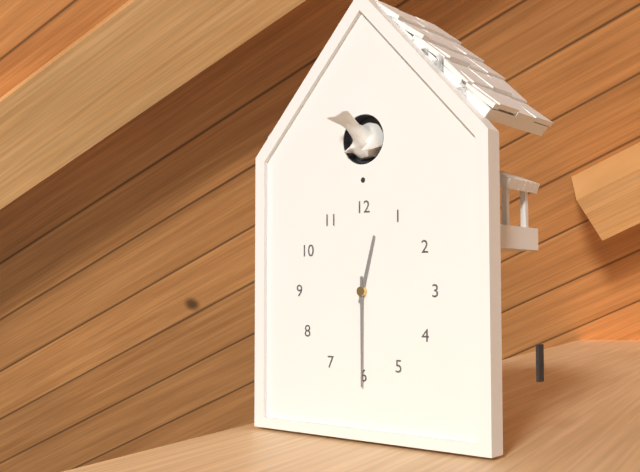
12:30
